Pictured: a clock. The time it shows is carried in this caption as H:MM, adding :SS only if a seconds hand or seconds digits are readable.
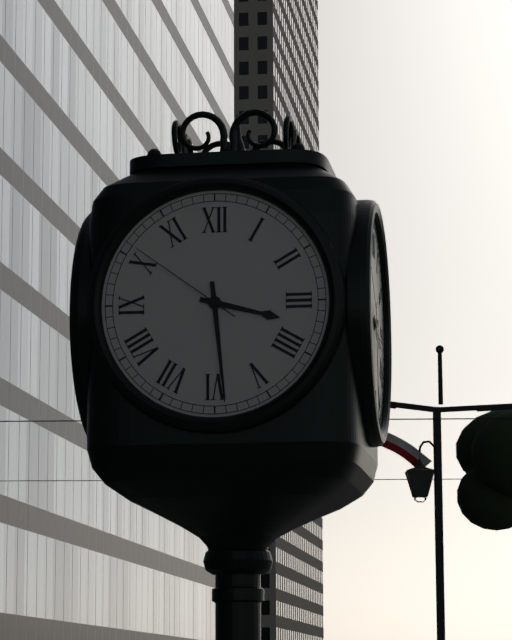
3:29:51
